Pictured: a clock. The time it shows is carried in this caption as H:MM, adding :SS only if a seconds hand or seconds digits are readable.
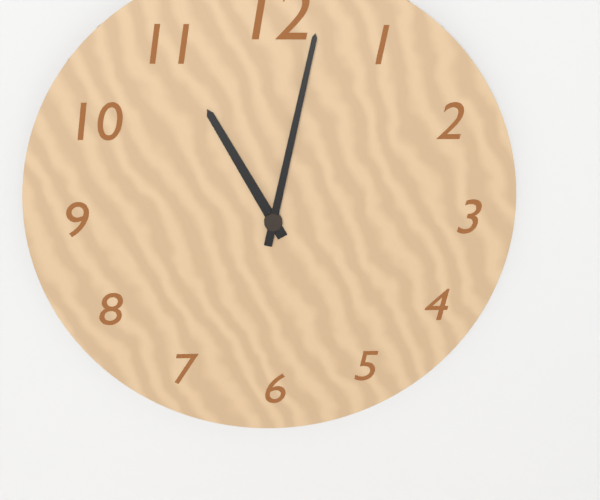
11:02
